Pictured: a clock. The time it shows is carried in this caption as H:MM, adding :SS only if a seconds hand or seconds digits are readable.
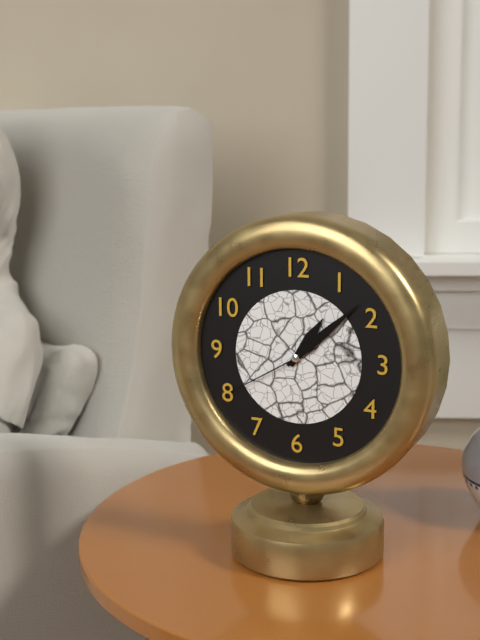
1:08:40
